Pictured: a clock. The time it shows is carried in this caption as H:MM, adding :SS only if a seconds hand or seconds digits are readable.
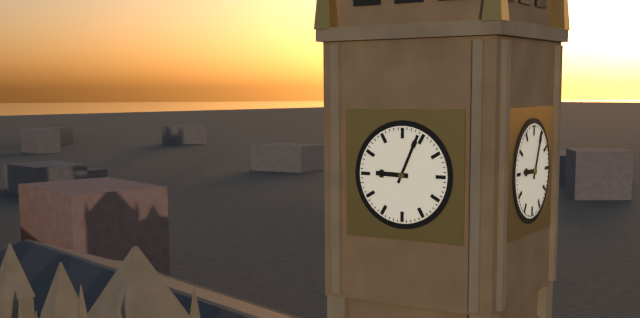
9:04
